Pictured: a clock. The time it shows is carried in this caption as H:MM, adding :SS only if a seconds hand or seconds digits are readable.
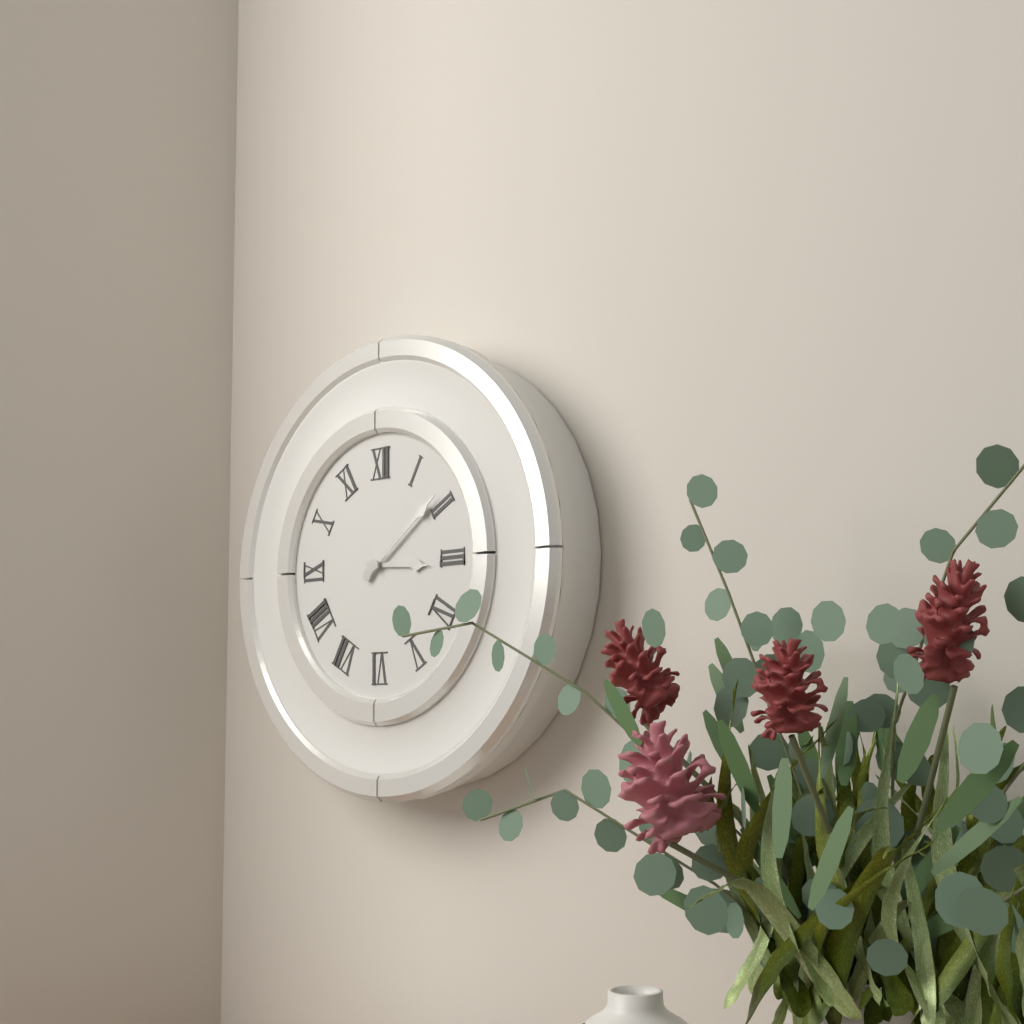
3:09
